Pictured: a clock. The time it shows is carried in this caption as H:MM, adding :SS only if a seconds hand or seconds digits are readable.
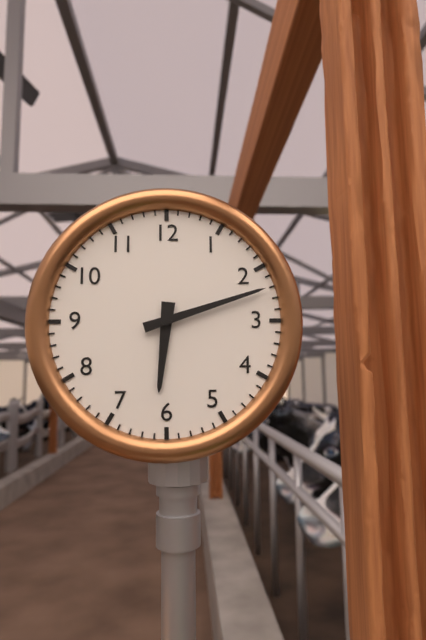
6:12
